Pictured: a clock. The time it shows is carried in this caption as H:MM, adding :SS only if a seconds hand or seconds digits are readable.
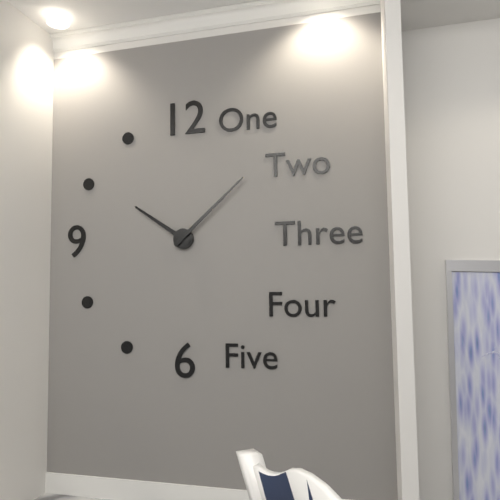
10:08
